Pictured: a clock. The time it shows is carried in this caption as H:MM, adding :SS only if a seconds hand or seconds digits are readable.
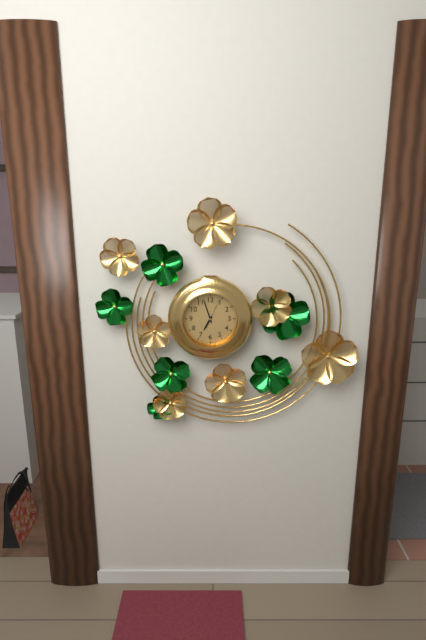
6:57
